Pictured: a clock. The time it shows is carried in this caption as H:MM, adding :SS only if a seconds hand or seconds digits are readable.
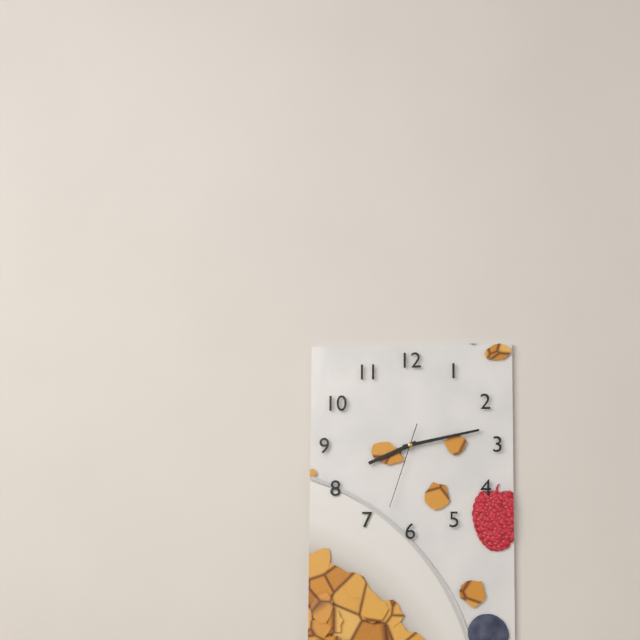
8:13:33
